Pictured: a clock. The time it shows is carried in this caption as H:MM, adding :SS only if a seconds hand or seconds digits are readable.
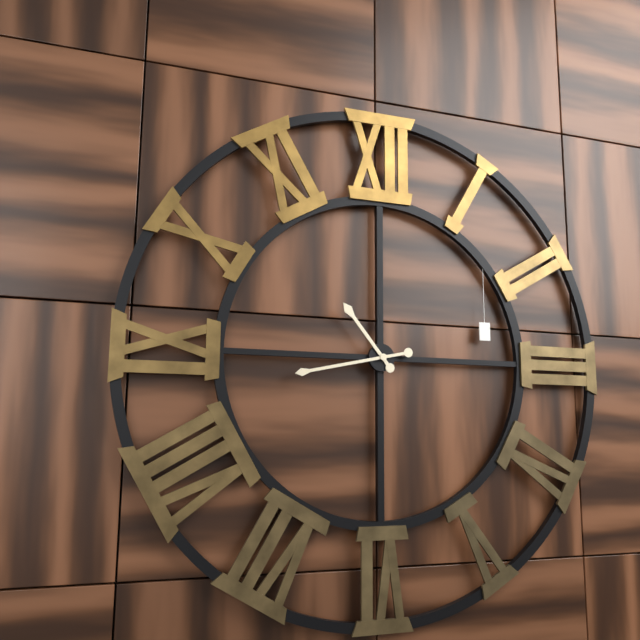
10:43
